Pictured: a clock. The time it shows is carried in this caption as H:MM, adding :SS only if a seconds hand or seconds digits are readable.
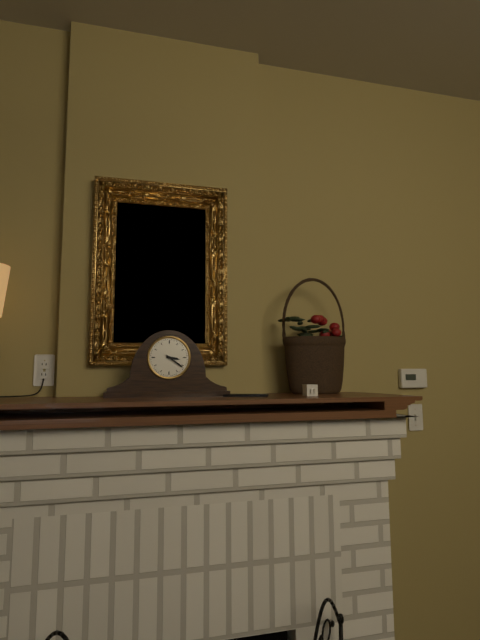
3:21
